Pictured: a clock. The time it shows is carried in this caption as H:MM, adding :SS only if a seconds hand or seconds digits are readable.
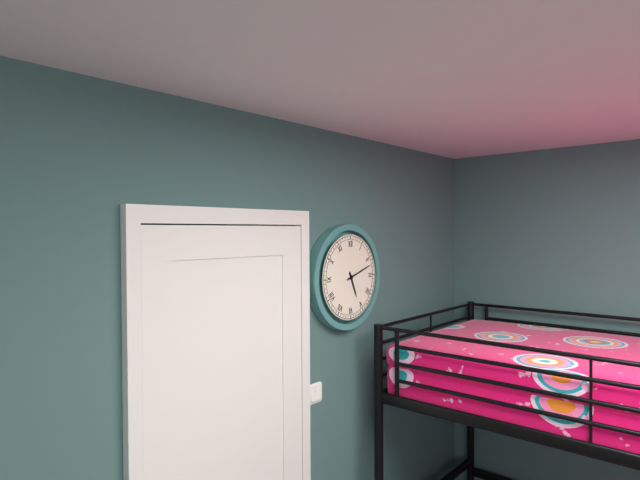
5:12
